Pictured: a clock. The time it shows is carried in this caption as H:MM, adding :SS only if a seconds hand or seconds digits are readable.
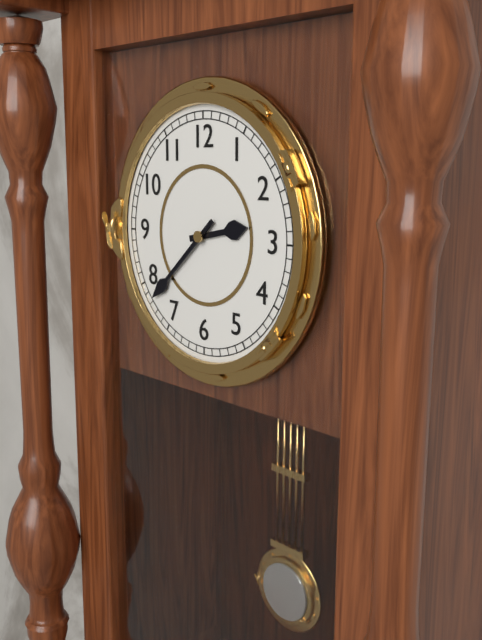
2:38
